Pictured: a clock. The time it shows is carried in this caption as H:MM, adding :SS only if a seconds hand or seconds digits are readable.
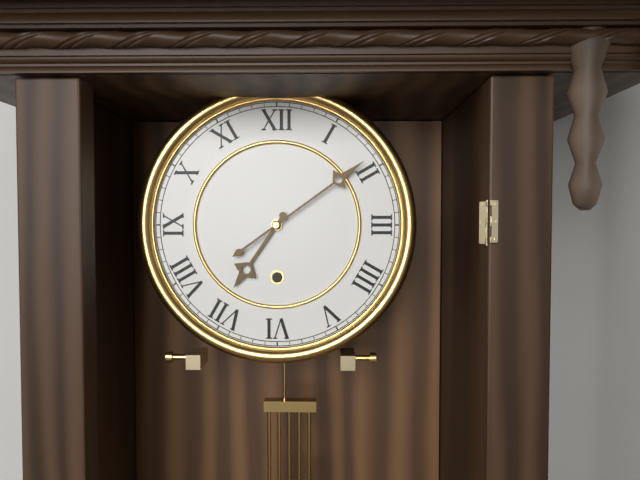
7:09
